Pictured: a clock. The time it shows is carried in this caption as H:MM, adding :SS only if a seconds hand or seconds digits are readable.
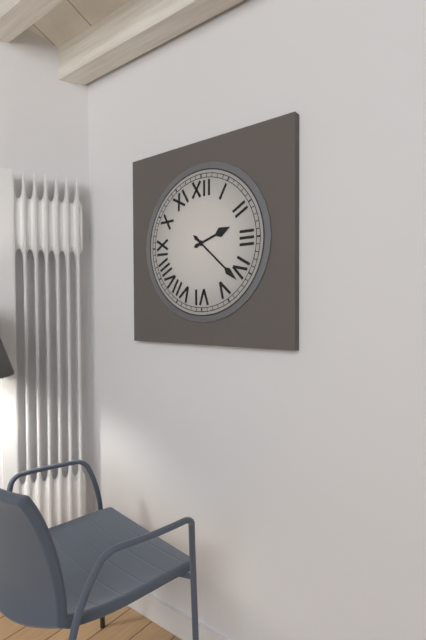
2:22
